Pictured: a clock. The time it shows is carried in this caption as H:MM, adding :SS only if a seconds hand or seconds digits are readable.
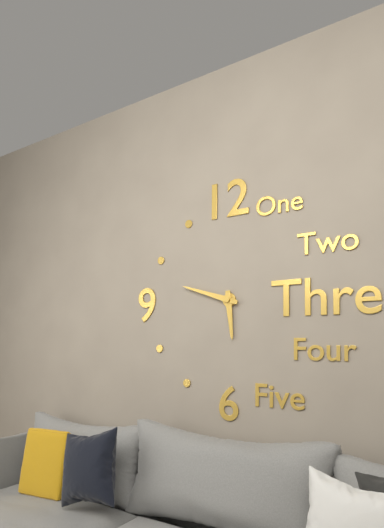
5:48
